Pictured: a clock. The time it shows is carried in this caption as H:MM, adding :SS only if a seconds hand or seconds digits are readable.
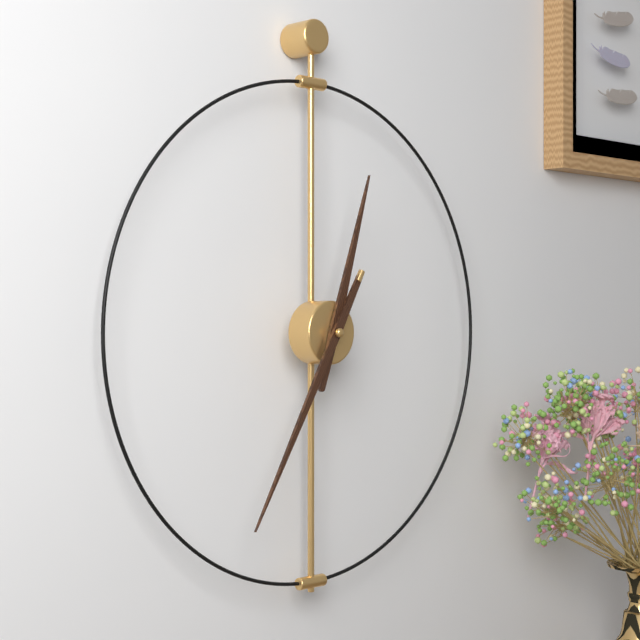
12:35
